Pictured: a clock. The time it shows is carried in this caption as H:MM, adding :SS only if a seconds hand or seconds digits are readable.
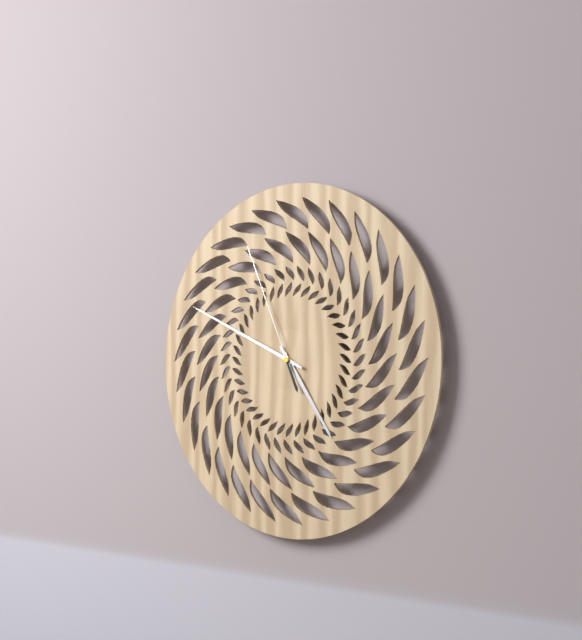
4:49:56
